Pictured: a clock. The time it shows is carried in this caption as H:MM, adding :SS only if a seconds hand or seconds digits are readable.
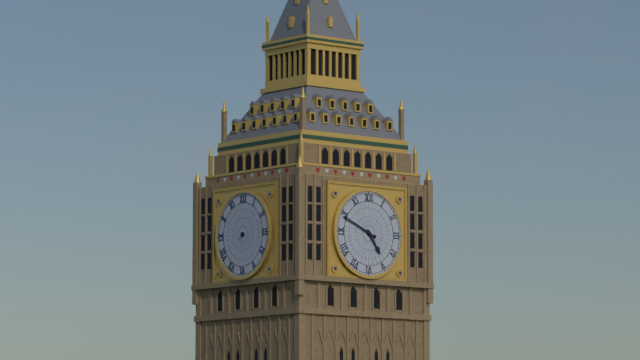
4:49
